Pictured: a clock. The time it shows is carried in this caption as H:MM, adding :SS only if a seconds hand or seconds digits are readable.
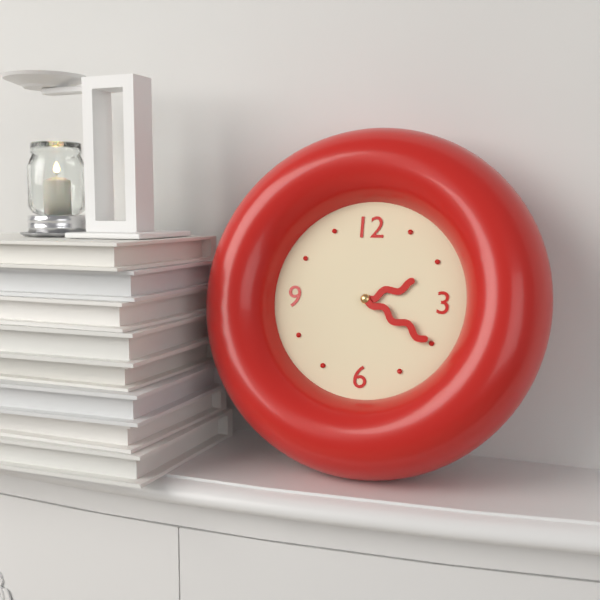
2:20
